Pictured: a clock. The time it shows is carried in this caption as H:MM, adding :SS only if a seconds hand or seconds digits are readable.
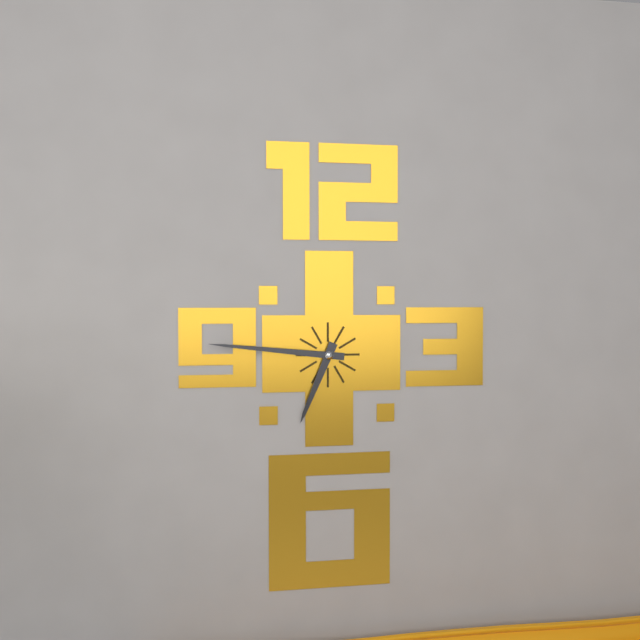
6:46
